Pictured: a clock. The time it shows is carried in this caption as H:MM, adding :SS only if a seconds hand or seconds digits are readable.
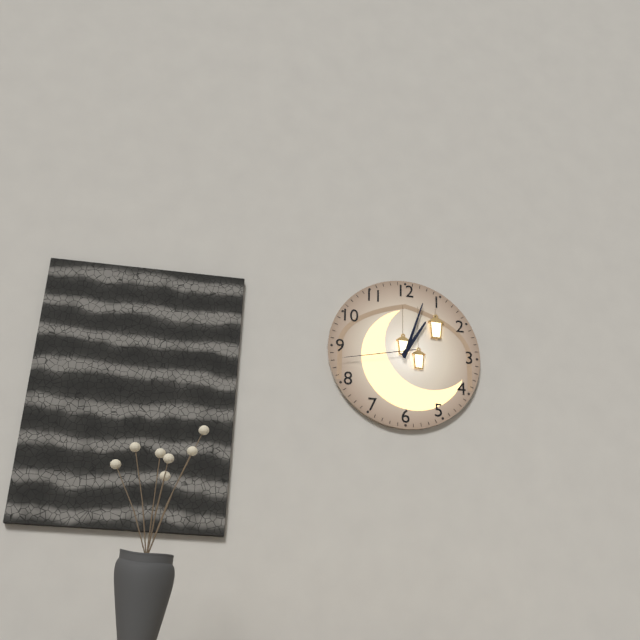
1:03:43
